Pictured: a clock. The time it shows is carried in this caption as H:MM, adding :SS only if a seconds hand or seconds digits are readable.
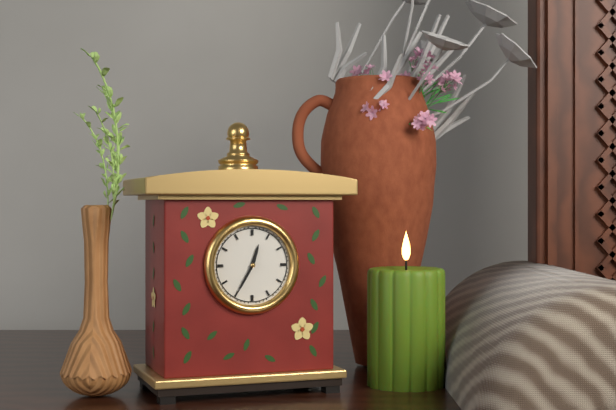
12:35
